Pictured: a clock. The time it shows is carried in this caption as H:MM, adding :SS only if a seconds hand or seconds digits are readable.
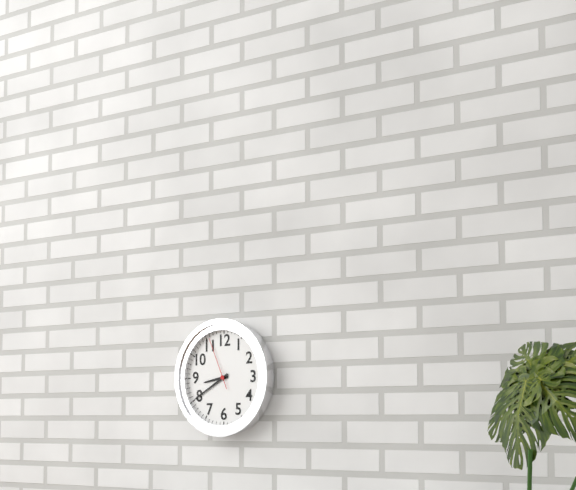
8:40:56
